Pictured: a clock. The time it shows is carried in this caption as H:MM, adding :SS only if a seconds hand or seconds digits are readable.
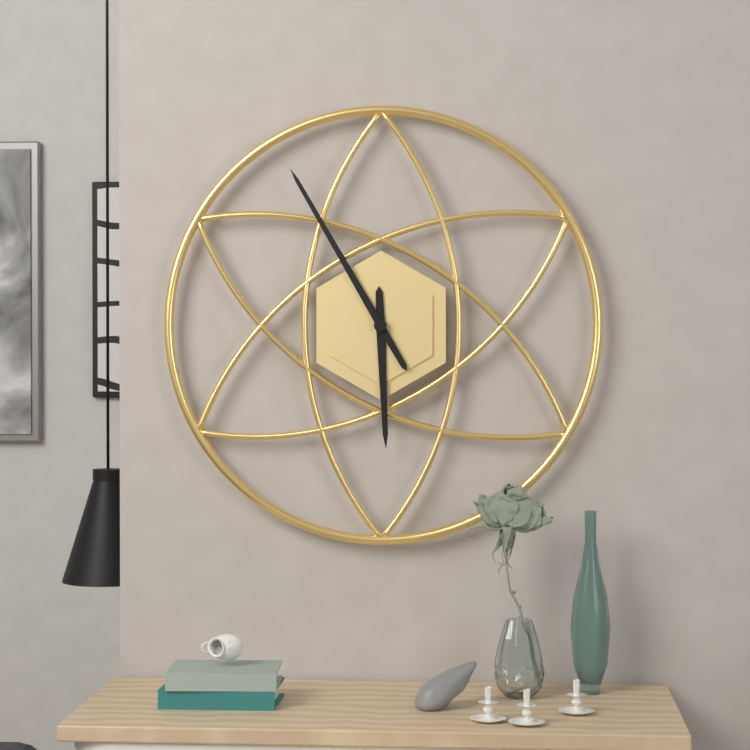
5:55
